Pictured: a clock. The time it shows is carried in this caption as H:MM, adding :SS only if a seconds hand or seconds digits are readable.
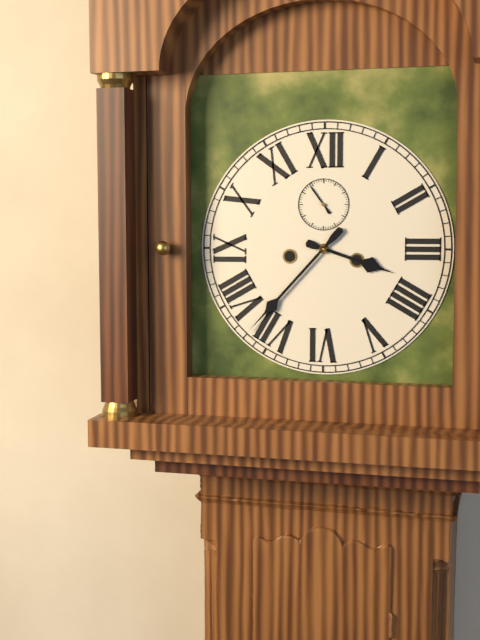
3:37
